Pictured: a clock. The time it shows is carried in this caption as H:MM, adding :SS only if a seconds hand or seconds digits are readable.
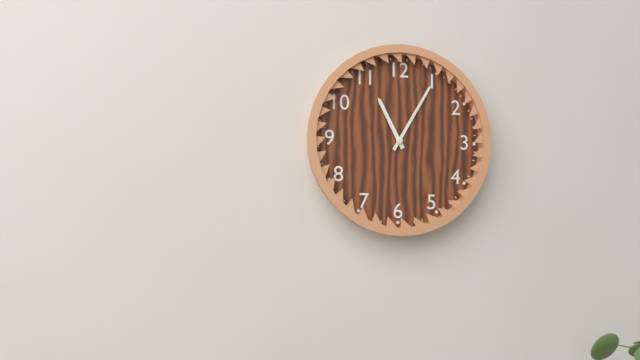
11:05
